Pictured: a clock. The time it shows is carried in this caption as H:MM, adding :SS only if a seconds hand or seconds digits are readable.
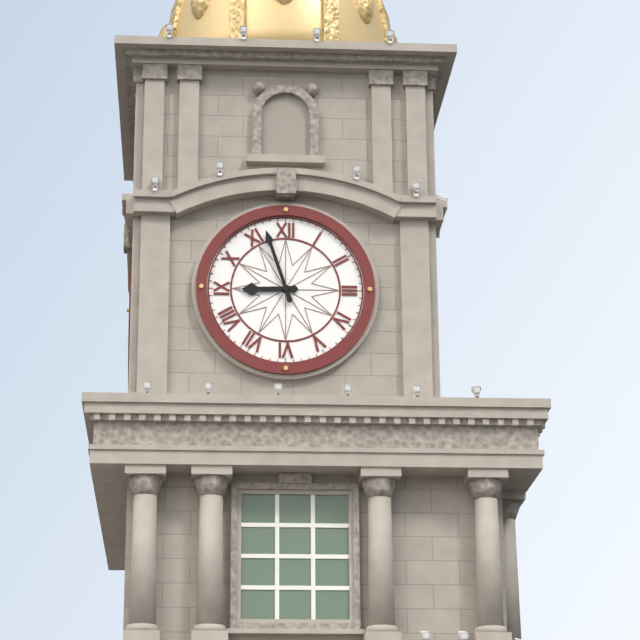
8:57
